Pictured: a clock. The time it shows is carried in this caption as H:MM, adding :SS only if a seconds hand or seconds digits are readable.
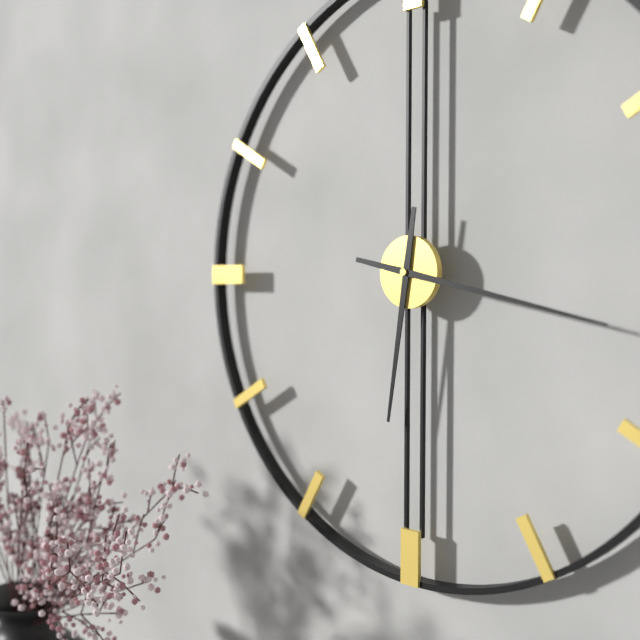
6:17
